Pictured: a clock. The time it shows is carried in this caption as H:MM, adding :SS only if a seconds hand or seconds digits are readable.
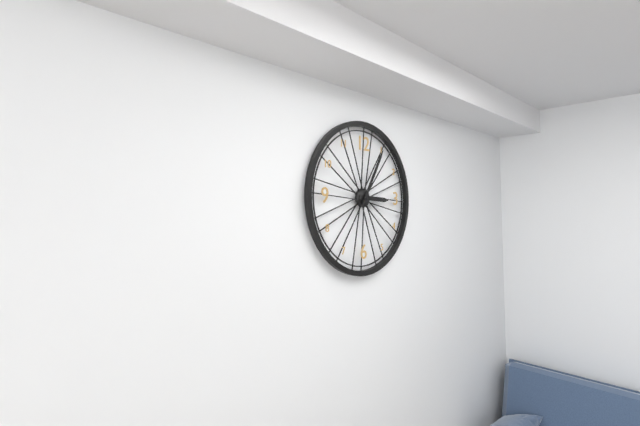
3:05
